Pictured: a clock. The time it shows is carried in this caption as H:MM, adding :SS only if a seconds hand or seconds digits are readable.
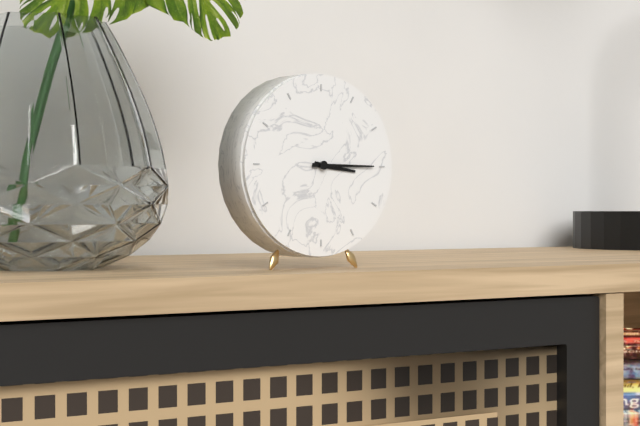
3:15
